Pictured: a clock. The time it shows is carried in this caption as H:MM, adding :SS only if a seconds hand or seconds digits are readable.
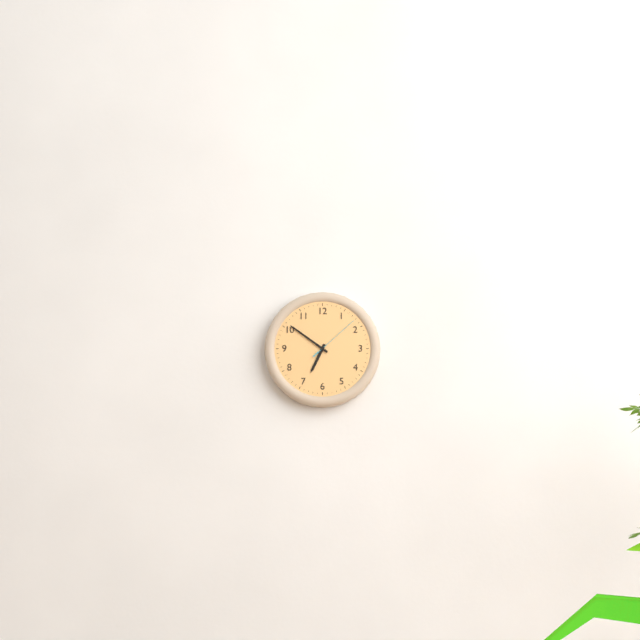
6:51:08
